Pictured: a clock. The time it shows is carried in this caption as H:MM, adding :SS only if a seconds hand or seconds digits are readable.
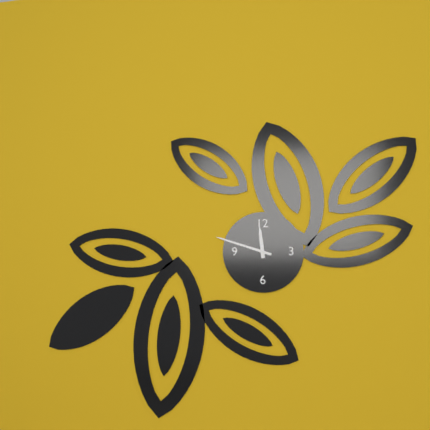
11:48
